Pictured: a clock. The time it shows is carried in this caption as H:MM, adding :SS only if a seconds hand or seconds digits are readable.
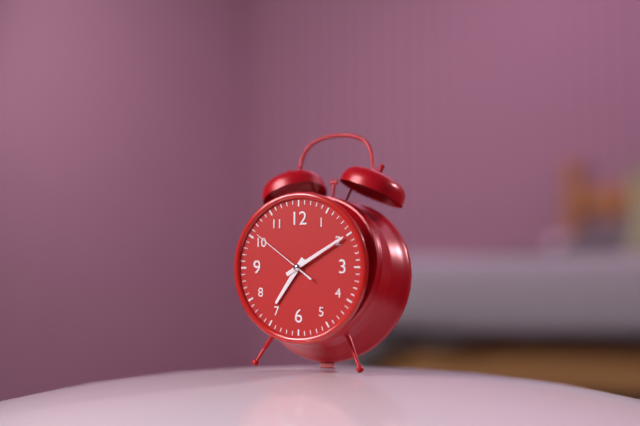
7:10:51
